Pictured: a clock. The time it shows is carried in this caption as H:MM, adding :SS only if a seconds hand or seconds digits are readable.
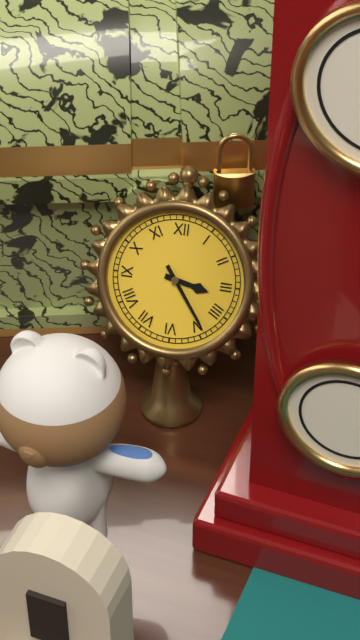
3:24
